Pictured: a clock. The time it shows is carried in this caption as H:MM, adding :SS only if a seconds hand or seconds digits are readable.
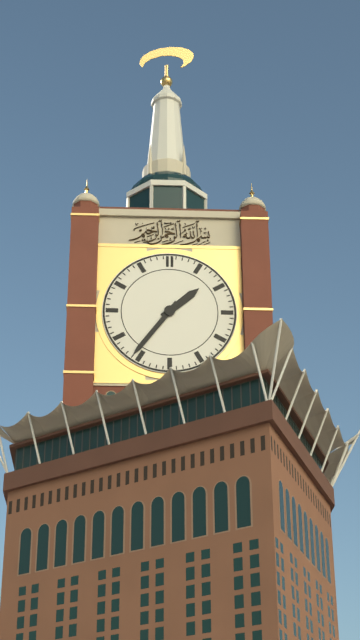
1:36
